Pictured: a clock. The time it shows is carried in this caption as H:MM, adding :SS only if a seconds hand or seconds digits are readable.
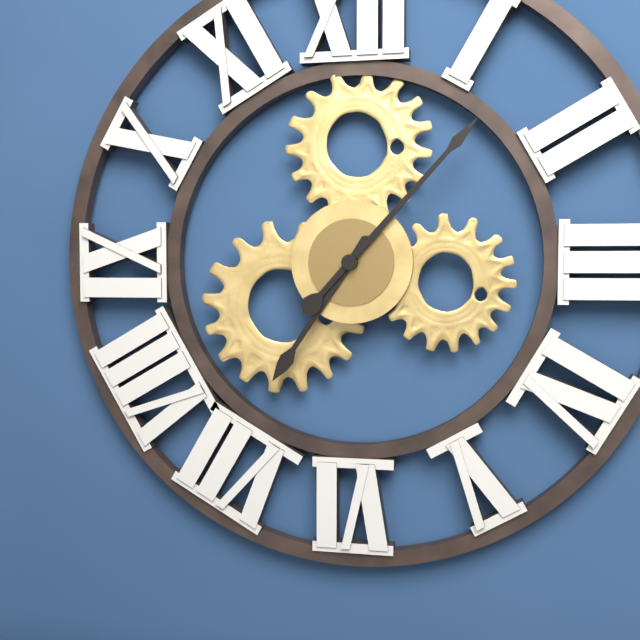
7:07
